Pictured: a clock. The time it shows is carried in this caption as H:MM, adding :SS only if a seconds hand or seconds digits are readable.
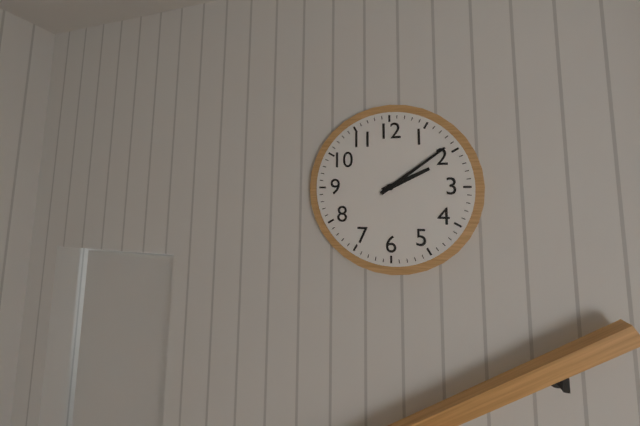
2:09
